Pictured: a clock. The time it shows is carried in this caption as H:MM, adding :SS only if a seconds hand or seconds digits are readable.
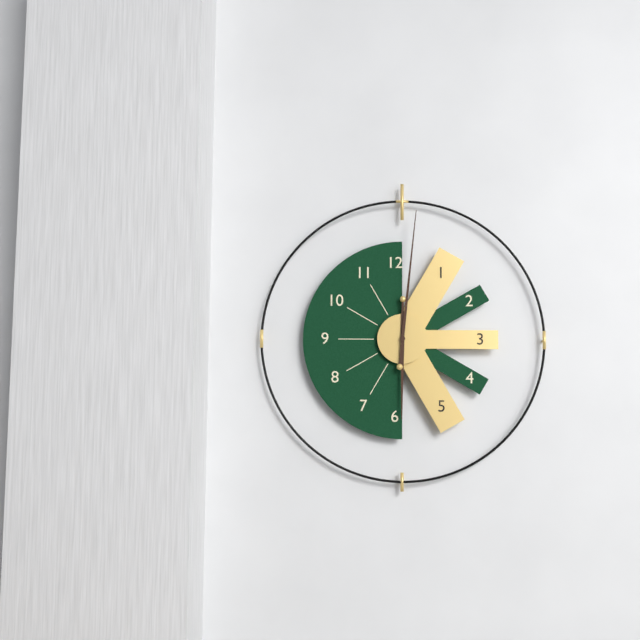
6:01
